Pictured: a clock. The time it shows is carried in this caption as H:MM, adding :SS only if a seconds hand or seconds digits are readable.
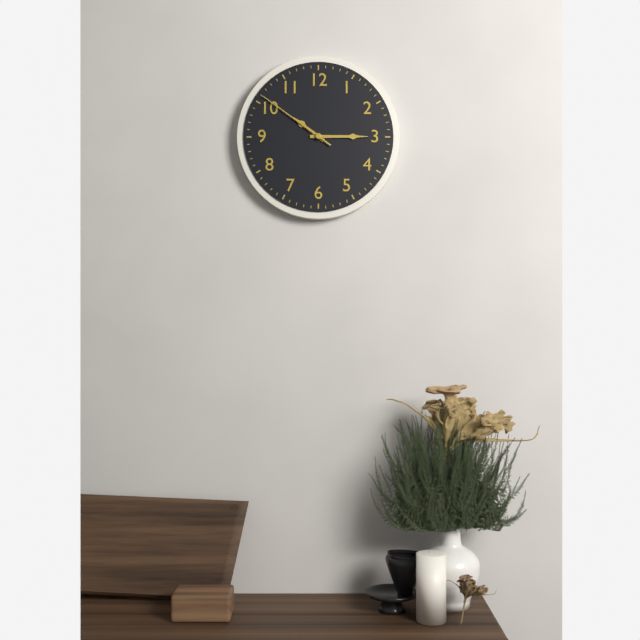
10:15:51
